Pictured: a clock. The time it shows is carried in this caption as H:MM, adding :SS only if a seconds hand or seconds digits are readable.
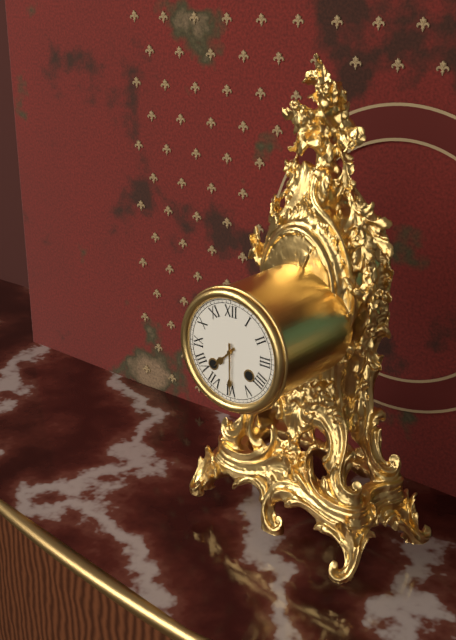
7:30
